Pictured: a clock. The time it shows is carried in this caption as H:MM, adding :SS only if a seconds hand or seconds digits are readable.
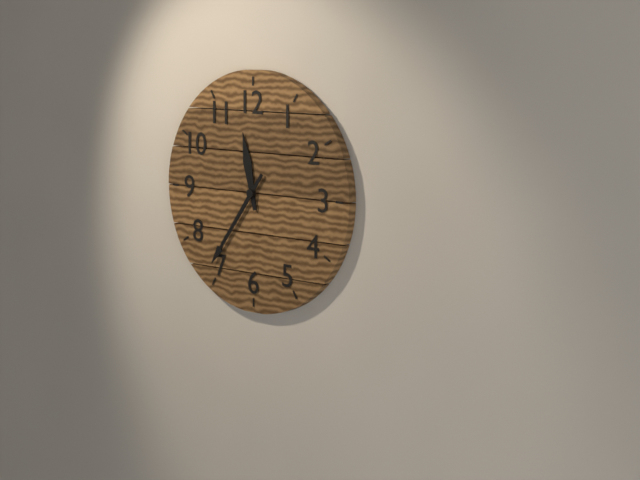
11:36
